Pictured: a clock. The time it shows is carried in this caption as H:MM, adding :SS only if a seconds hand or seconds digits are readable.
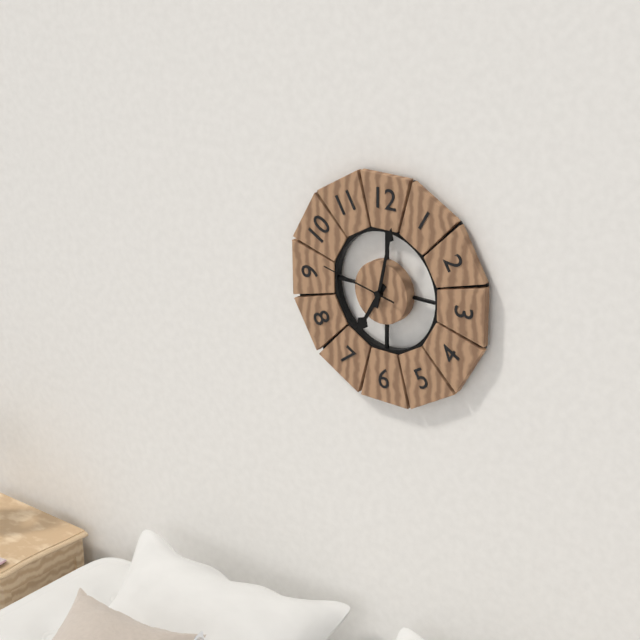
7:02:47
